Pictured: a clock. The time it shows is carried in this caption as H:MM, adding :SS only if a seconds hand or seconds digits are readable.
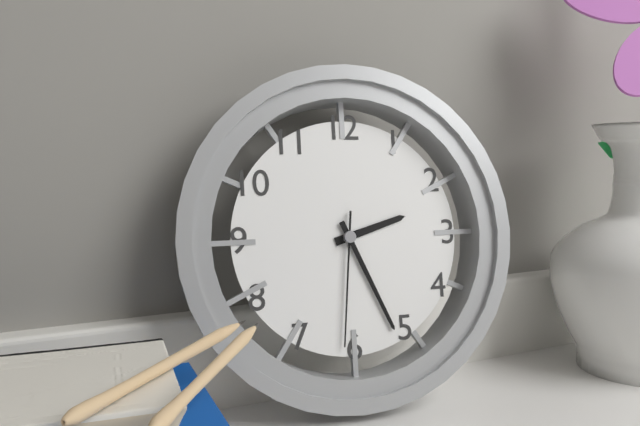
2:26:31
